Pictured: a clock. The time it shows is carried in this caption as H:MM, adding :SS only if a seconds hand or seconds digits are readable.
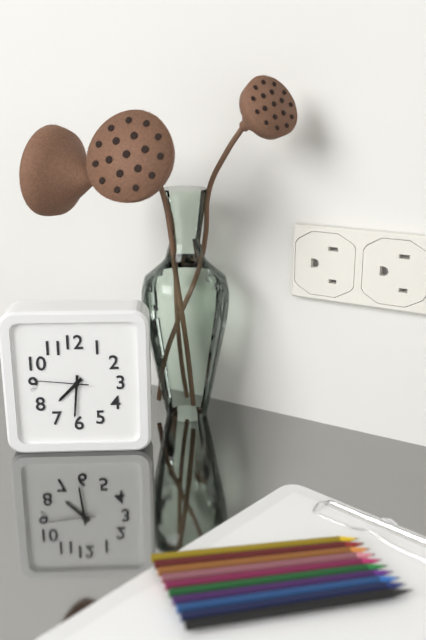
7:31:46
